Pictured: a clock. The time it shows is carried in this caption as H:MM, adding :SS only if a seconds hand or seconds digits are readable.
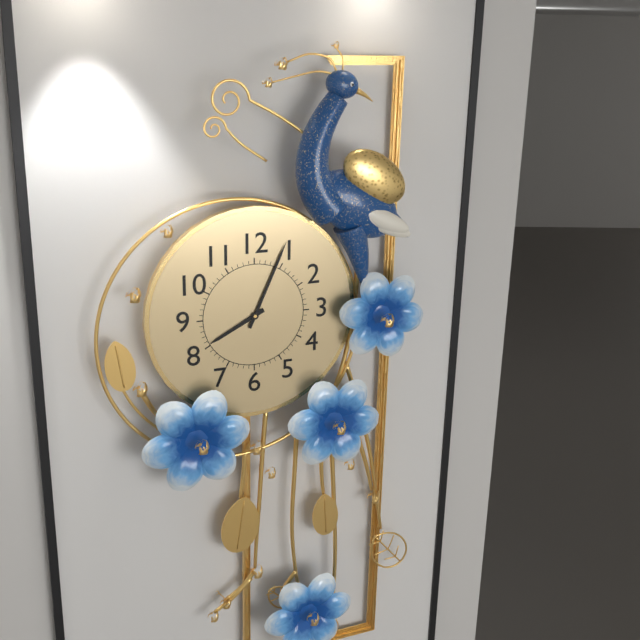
8:04
